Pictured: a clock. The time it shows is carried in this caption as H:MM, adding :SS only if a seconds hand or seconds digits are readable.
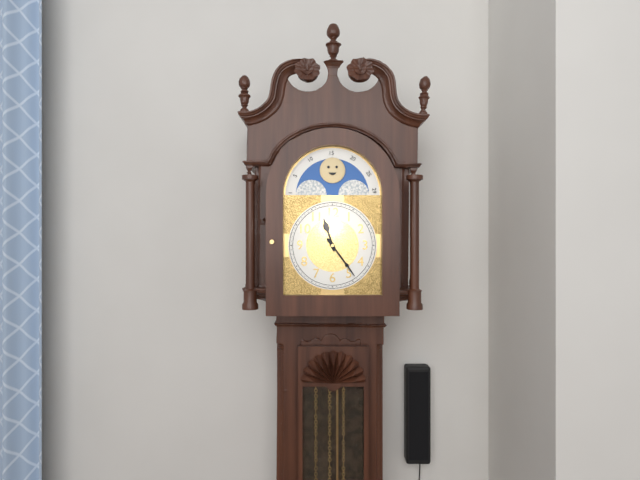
11:24
